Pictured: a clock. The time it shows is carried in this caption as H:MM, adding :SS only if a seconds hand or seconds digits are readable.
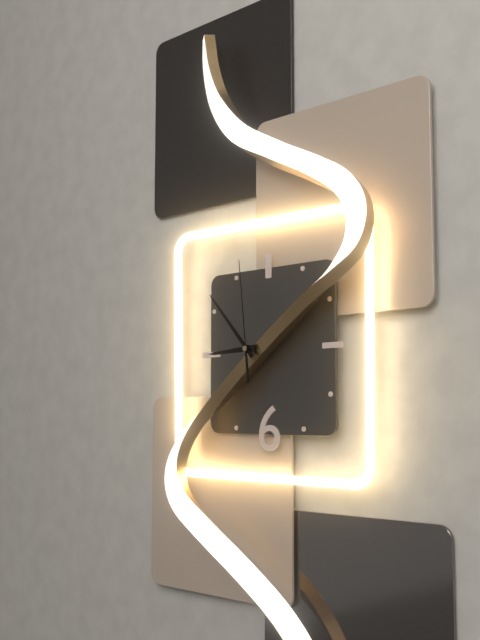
8:53:59
